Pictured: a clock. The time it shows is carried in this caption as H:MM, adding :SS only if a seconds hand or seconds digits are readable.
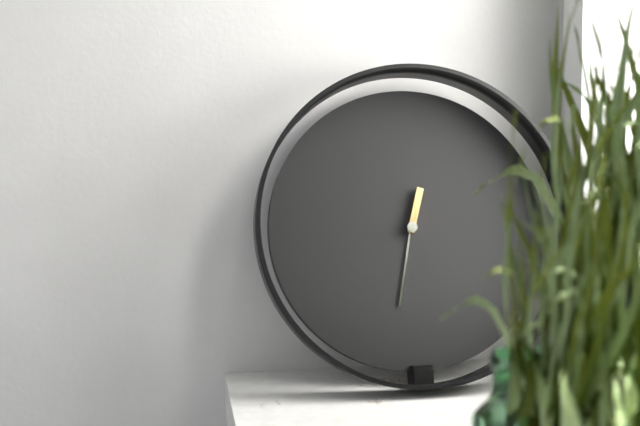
12:32
